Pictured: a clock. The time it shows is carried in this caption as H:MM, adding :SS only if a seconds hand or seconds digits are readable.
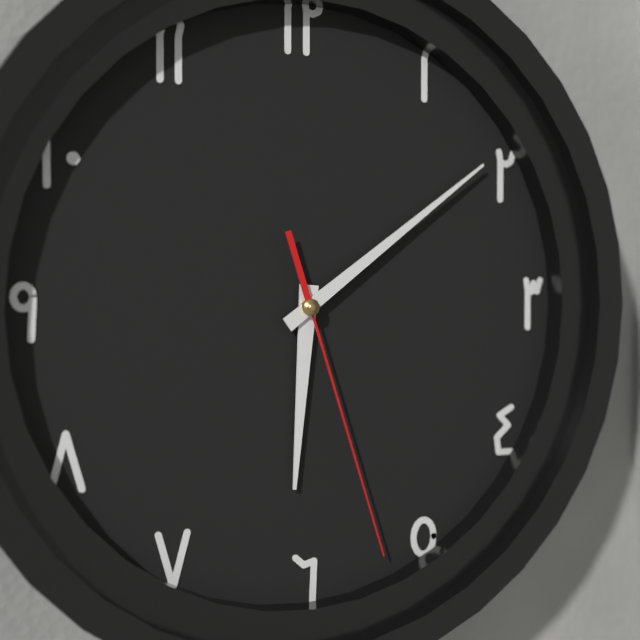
6:09:27
